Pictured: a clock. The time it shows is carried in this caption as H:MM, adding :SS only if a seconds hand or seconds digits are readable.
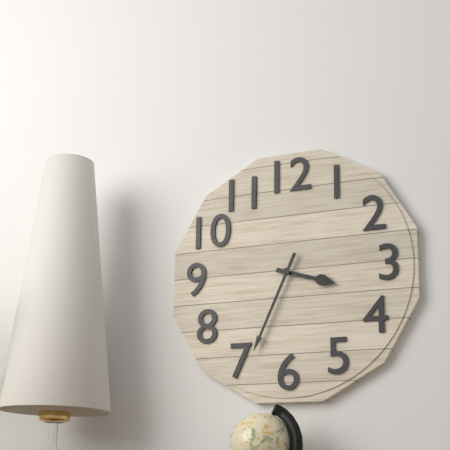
3:34
